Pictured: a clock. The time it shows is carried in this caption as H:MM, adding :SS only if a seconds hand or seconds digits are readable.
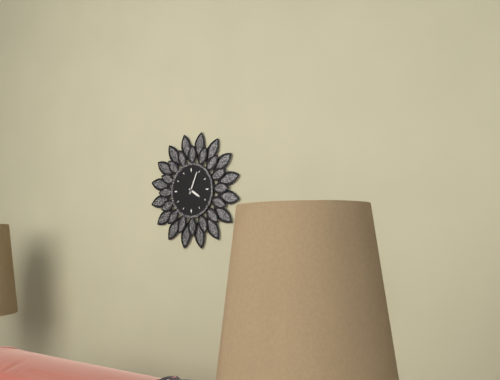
4:04
